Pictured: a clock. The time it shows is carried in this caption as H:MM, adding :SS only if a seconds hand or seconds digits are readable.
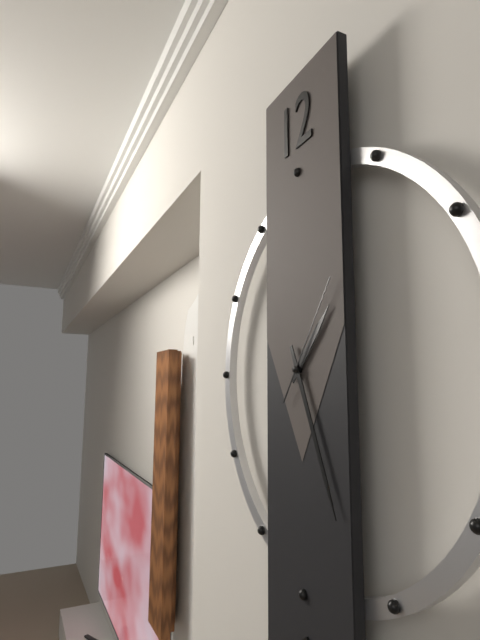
1:26:06
